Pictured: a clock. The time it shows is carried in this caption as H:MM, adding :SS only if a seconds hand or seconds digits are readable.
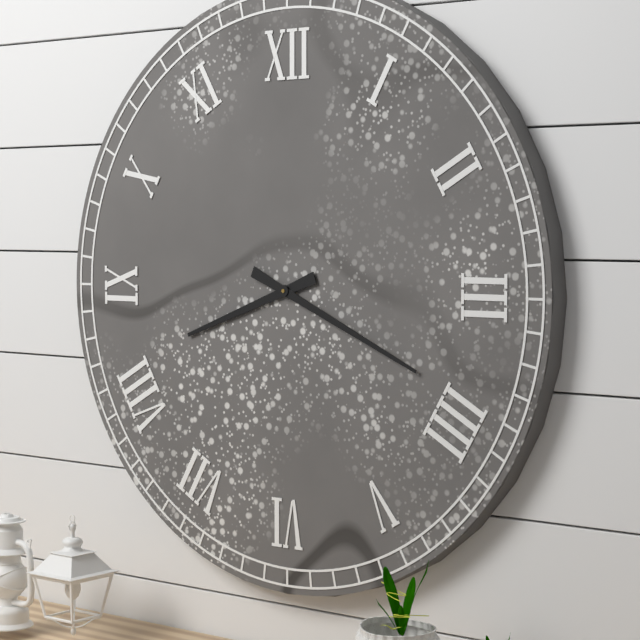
8:19
